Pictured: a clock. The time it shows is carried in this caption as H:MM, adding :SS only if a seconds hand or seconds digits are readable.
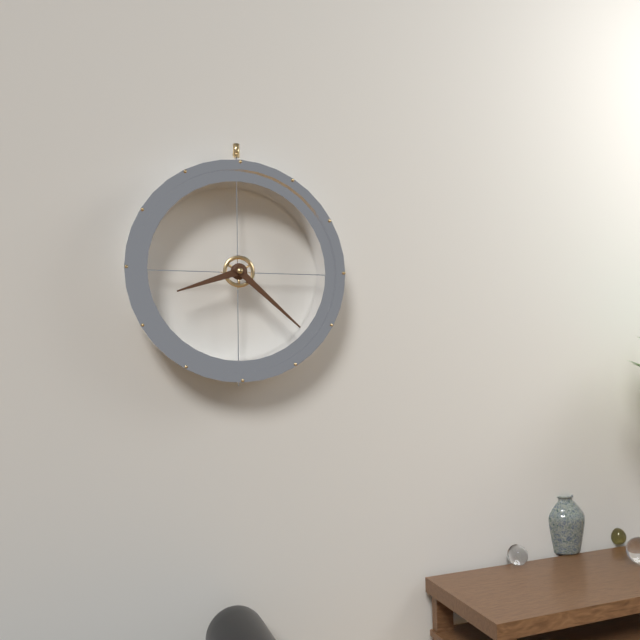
8:22
